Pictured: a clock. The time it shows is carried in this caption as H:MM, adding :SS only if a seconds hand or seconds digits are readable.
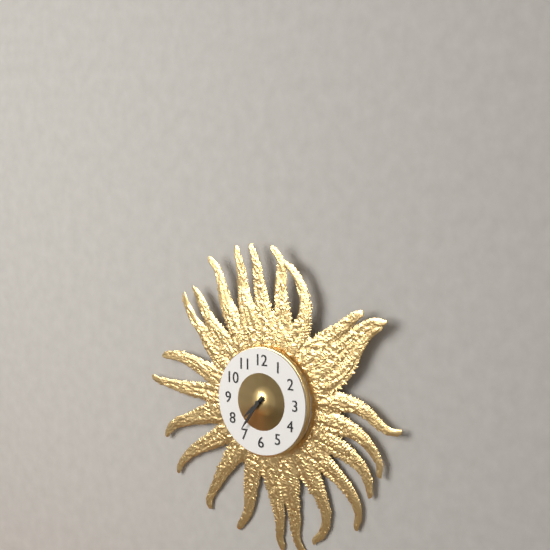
7:36
